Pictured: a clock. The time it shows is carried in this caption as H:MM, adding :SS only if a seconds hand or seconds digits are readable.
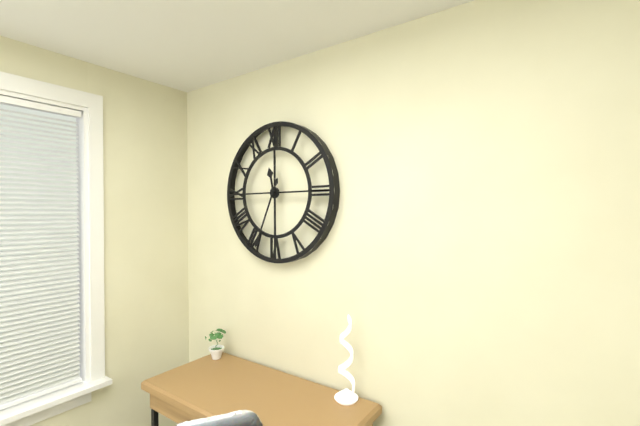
11:34
